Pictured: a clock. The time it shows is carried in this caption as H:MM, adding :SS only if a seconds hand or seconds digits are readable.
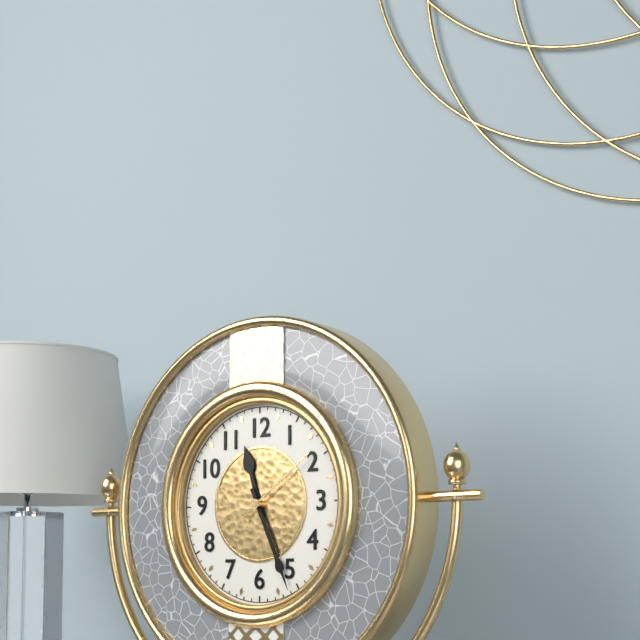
11:26:09
